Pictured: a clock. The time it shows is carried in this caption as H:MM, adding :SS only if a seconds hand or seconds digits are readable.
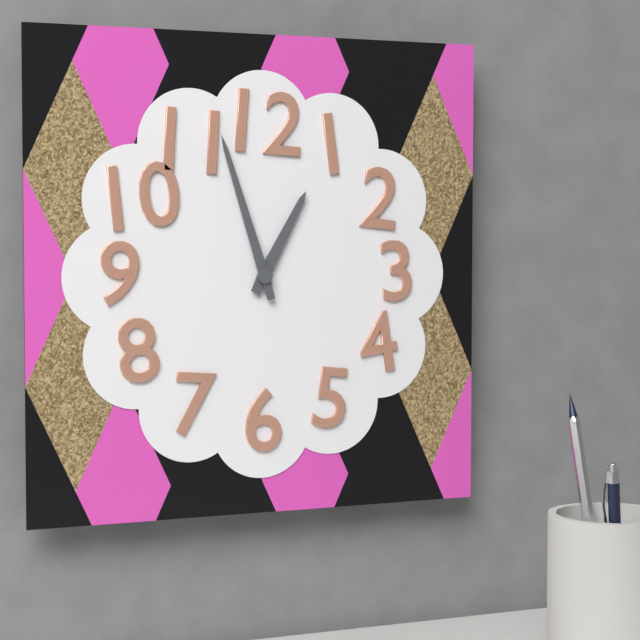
12:57
